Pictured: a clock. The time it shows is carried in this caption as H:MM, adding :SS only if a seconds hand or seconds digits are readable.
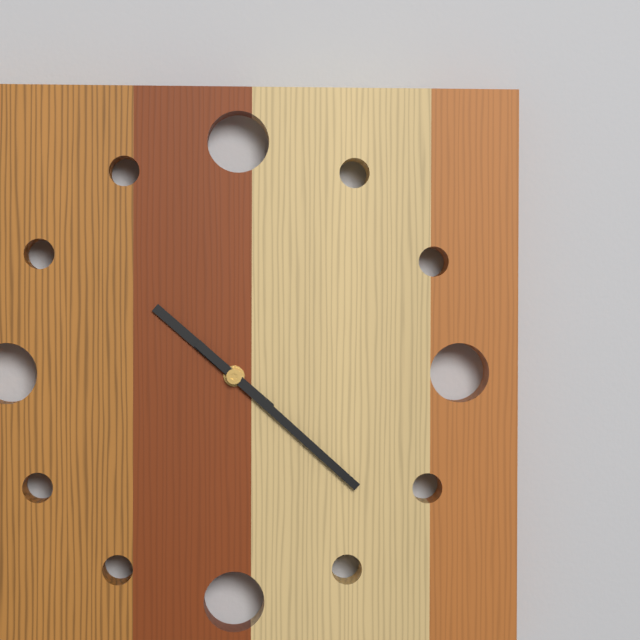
10:22
